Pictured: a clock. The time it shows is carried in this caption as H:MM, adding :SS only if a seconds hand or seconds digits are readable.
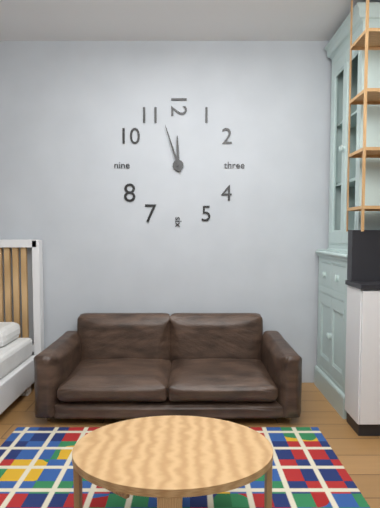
11:57
